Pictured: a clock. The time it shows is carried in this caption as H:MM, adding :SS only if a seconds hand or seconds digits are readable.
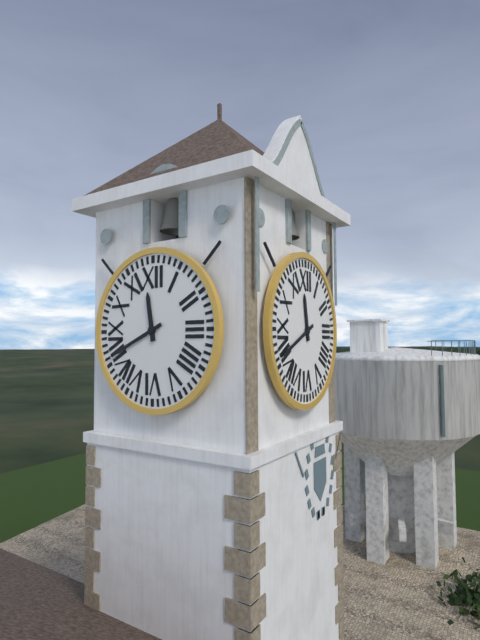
11:41
